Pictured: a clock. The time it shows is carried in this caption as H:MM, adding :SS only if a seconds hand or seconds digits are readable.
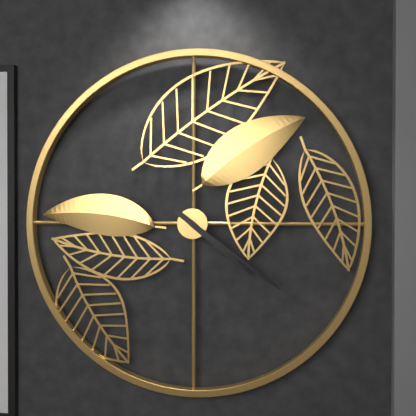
4:21
